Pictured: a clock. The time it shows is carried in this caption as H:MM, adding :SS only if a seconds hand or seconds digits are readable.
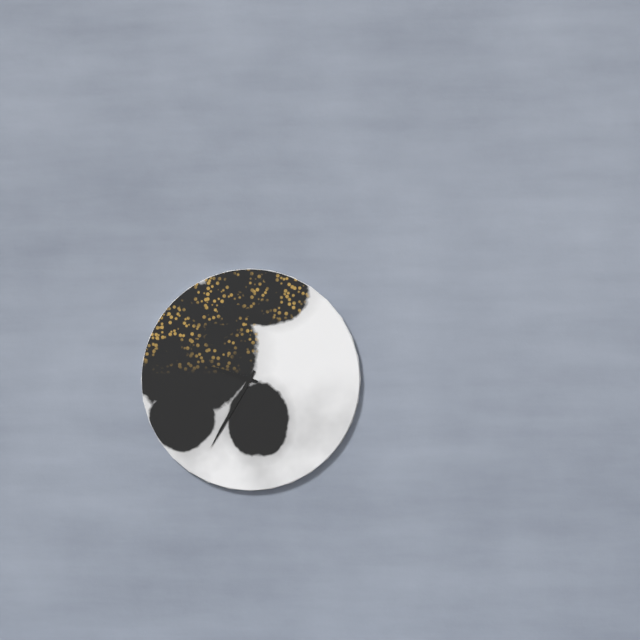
9:35
